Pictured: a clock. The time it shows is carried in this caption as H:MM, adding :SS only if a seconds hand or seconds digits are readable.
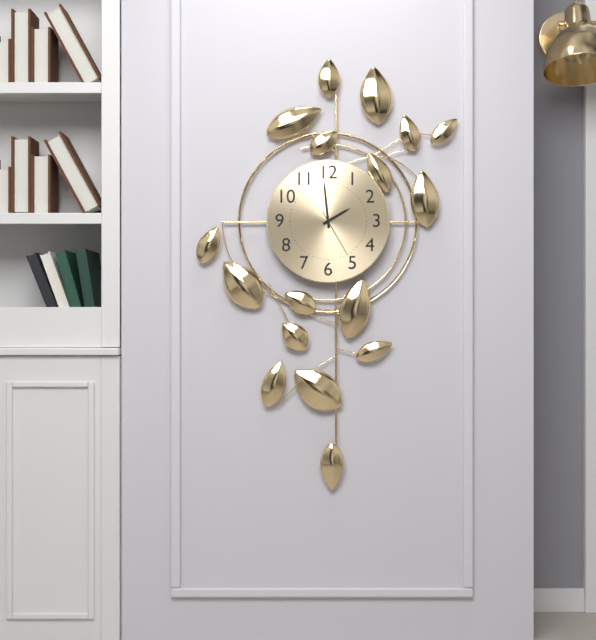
1:59
